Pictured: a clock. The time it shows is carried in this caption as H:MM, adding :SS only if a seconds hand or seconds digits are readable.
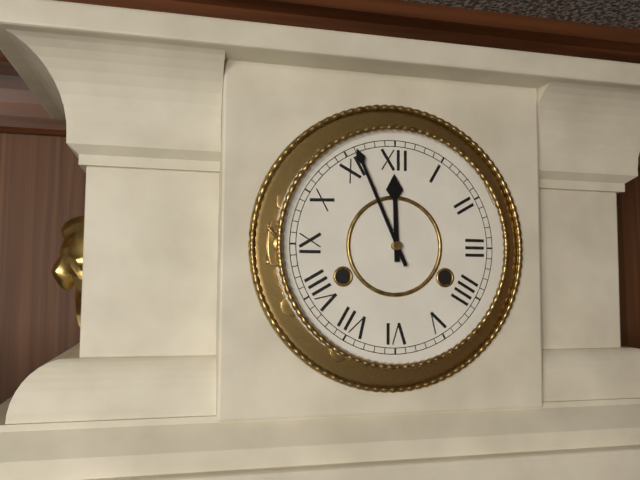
11:56
